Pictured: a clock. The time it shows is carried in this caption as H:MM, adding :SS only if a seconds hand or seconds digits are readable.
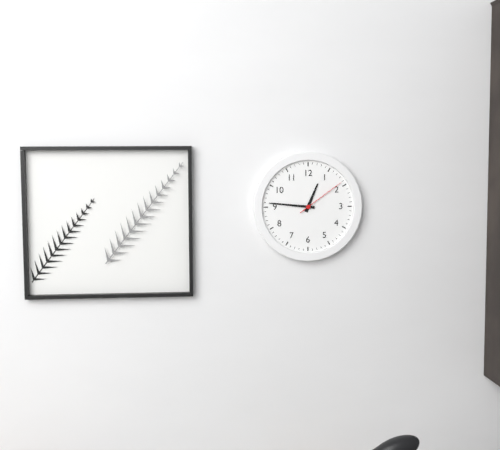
12:46:09
